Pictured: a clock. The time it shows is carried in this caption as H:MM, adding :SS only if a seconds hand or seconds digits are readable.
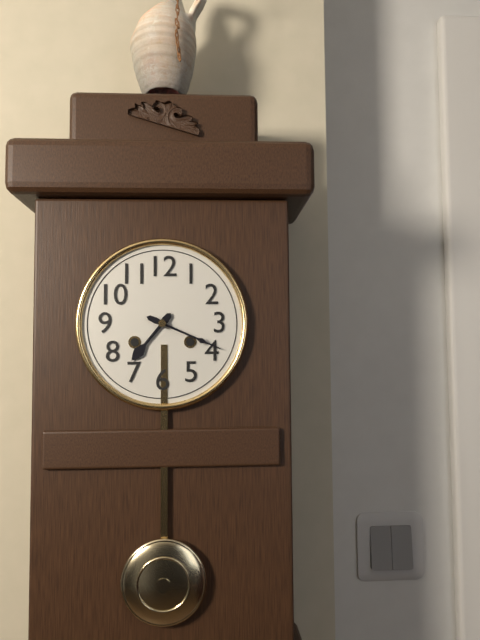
7:19
